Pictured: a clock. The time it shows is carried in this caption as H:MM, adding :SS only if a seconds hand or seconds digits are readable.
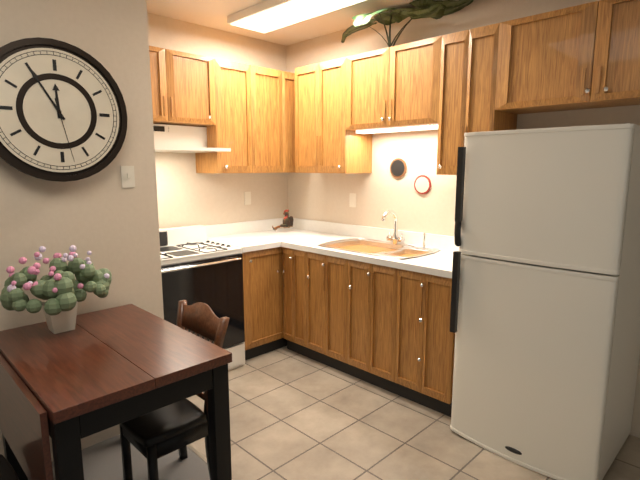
11:55:28
